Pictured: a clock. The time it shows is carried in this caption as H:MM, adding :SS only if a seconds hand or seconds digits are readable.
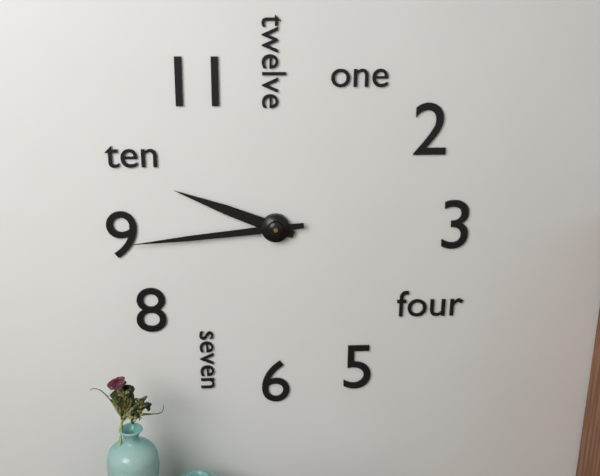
9:44
